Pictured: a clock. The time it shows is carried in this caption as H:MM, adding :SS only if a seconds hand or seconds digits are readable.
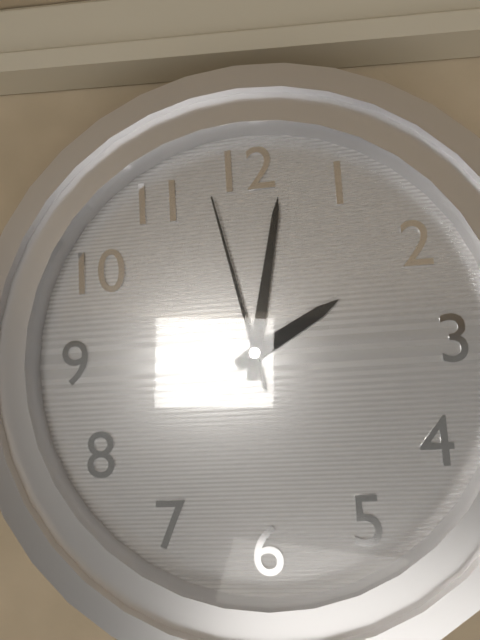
2:02:58
